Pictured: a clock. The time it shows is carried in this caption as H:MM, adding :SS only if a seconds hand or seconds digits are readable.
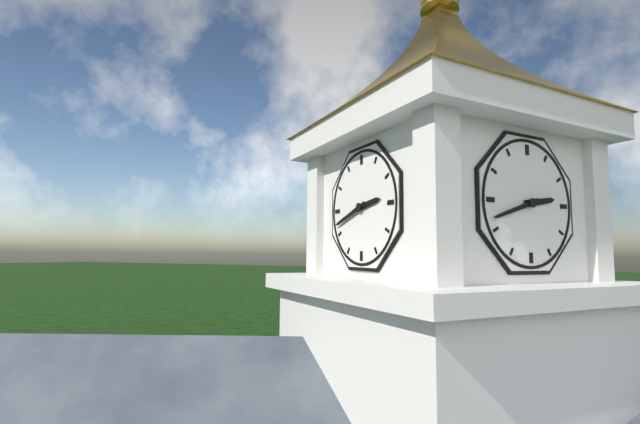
2:42
